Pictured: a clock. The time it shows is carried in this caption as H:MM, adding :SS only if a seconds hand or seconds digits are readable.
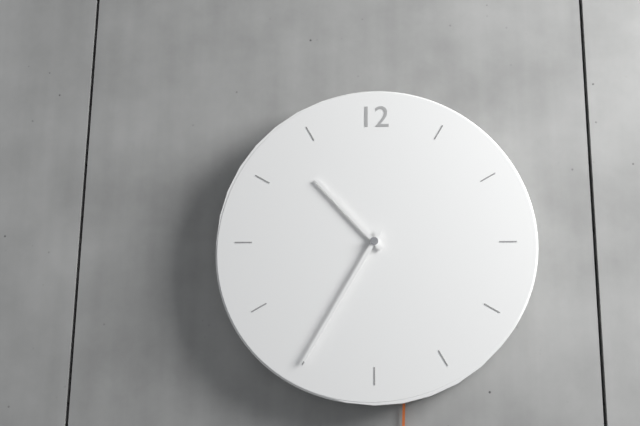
10:35
